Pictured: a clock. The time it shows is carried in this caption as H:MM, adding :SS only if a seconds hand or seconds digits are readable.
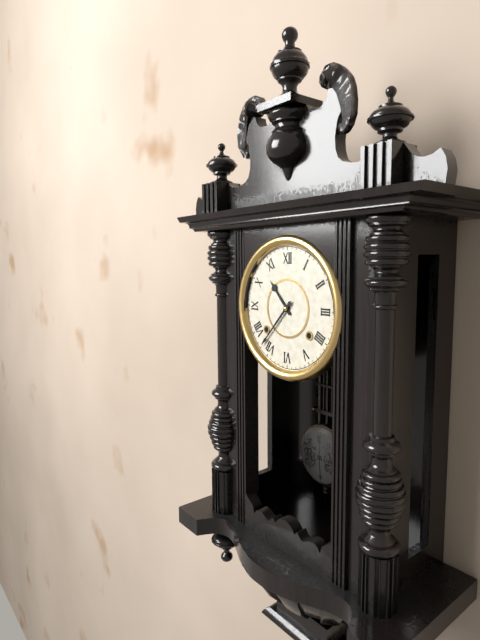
10:37
